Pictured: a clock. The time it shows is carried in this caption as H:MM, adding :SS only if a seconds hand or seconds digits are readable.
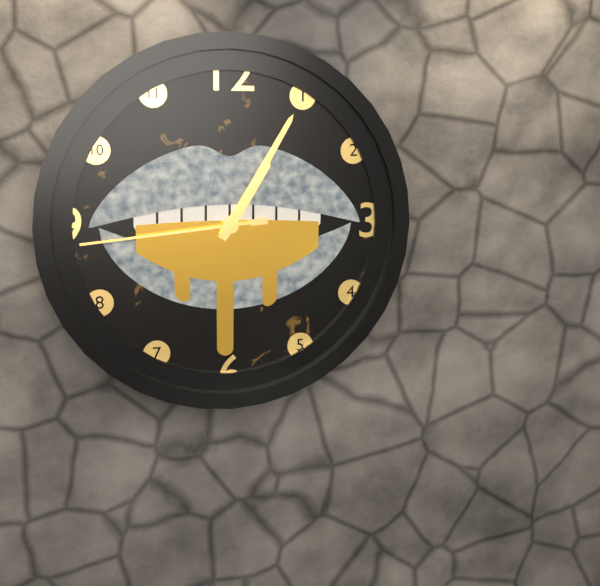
1:05:44
